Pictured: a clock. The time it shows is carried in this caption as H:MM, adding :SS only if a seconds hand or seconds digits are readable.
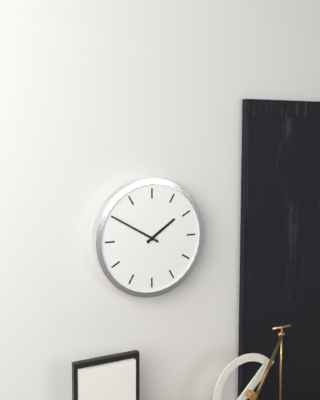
1:50
